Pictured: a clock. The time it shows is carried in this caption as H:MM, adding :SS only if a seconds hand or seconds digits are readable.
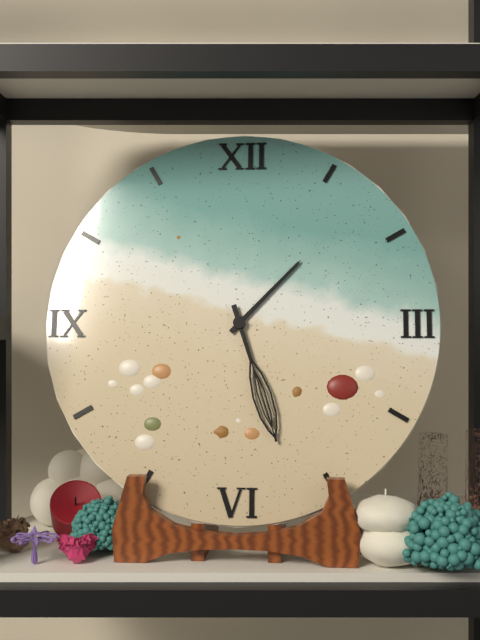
1:27
